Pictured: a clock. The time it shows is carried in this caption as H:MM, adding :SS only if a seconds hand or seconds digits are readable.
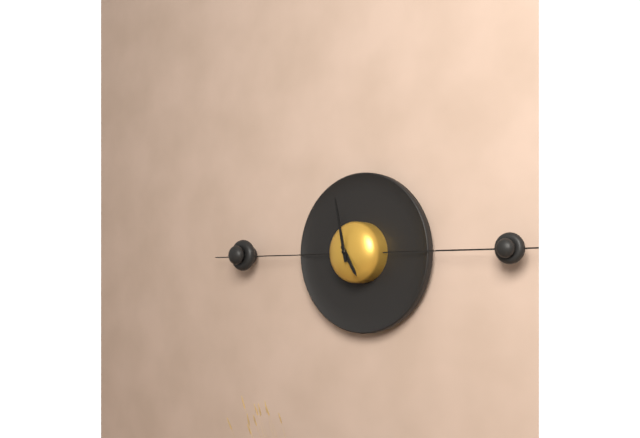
4:58
